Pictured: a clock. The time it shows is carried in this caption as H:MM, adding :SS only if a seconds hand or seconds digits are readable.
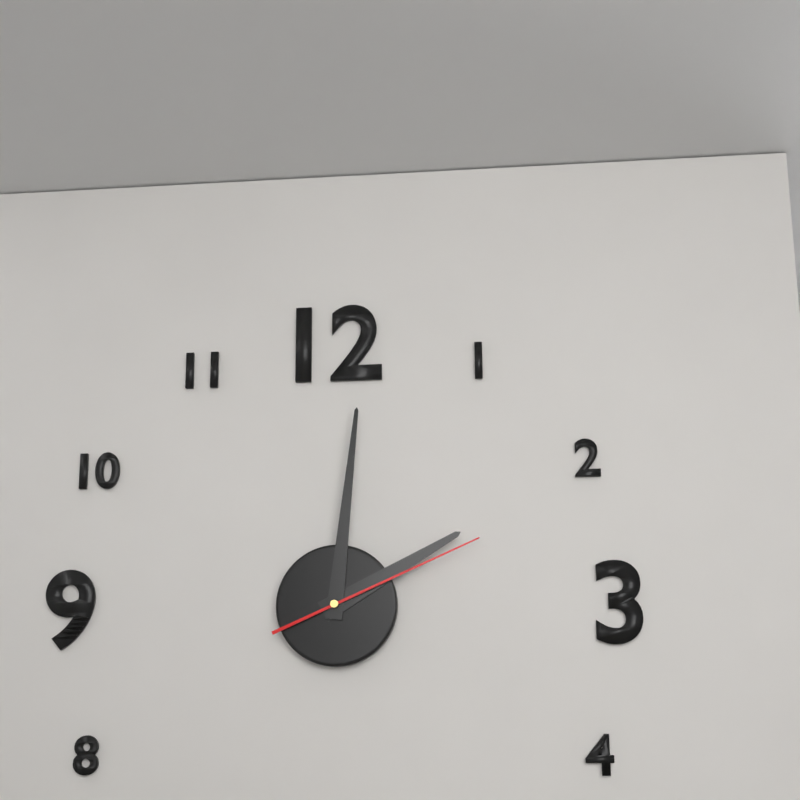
2:01:11
